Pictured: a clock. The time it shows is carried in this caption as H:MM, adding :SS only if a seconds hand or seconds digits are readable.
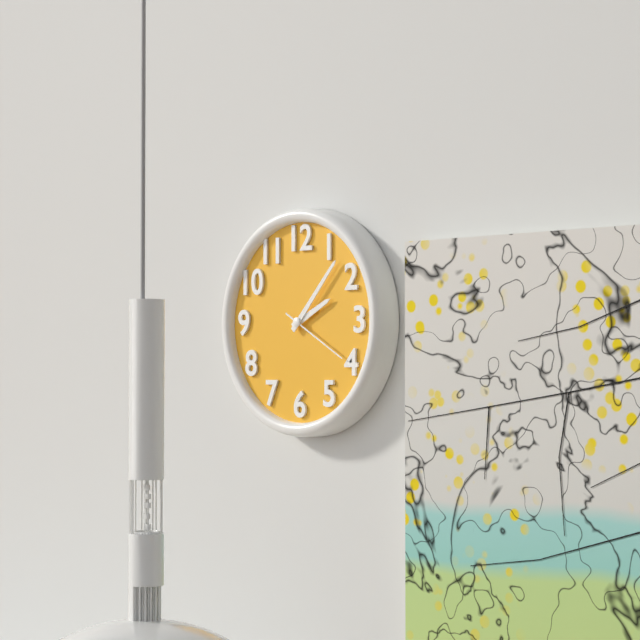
2:07:20
